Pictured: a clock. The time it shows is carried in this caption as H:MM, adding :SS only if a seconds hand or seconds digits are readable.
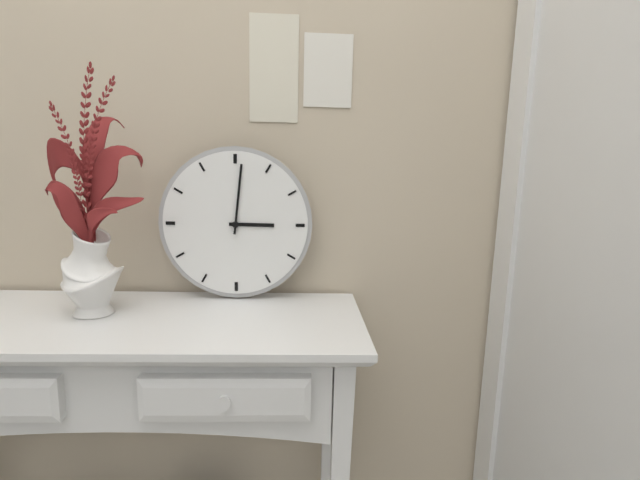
3:01
